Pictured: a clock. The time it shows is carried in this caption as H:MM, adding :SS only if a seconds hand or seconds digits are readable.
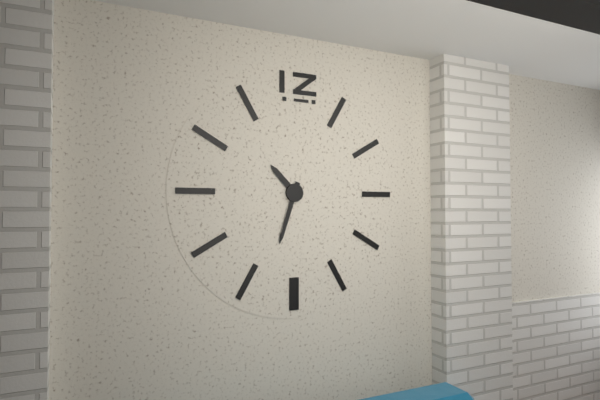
10:33
